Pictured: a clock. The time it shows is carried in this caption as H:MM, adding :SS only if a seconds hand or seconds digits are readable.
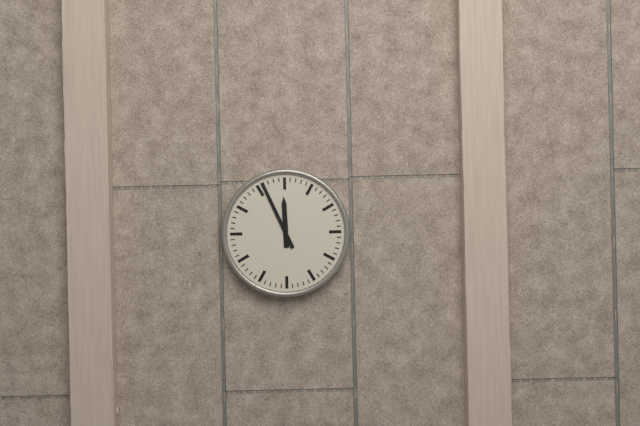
11:56
